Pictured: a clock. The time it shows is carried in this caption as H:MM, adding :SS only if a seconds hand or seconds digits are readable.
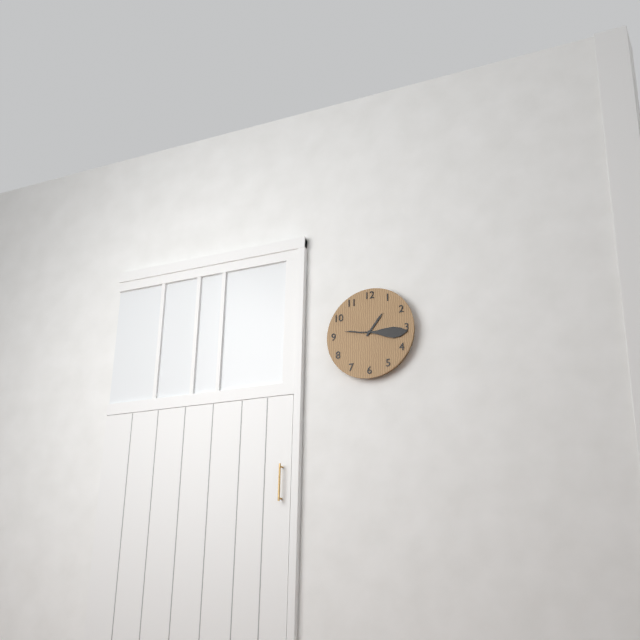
1:16
